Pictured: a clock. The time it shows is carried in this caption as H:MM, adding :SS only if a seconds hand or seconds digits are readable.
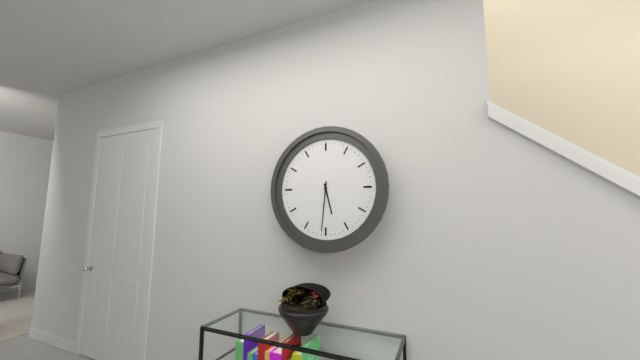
5:31
